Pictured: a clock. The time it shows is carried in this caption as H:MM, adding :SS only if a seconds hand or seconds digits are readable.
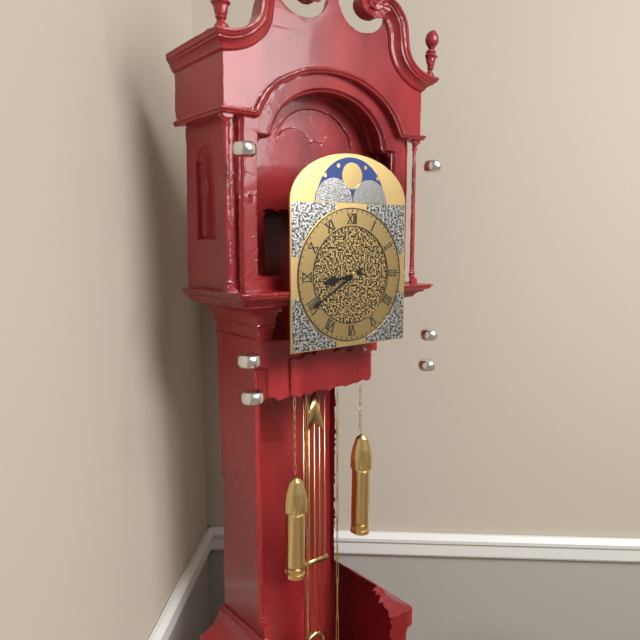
8:40
